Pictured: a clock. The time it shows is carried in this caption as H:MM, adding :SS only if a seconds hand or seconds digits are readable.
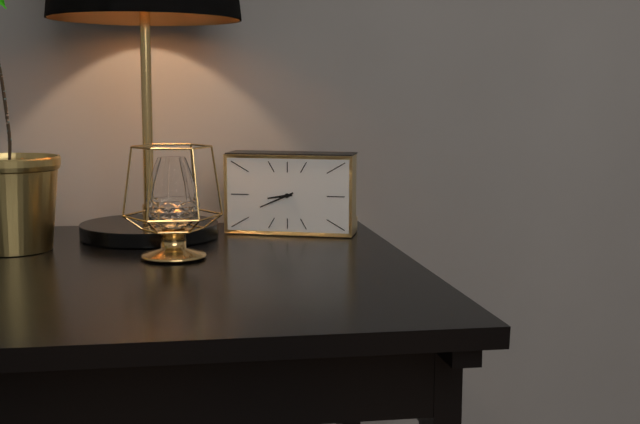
8:41
